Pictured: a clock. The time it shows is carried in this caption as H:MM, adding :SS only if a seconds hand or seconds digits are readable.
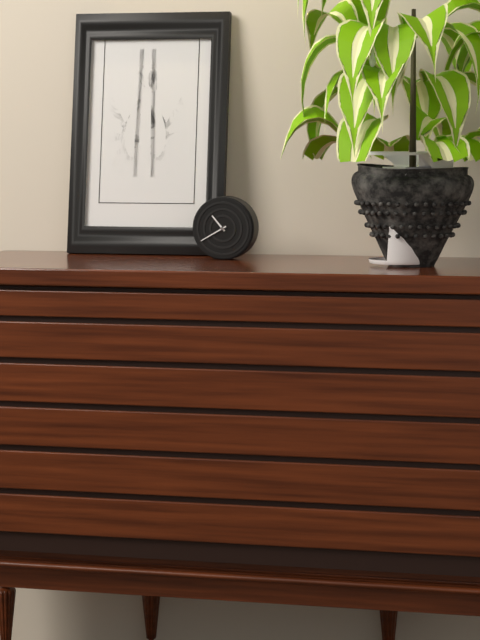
10:40
